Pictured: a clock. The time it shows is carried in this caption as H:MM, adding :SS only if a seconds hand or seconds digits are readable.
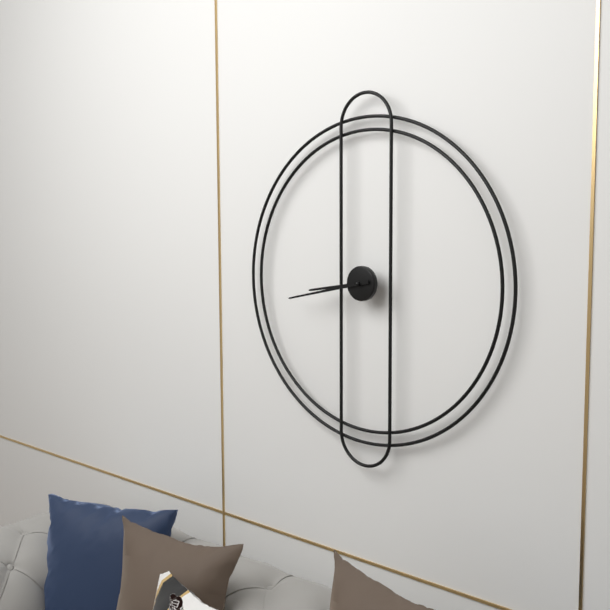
8:43
